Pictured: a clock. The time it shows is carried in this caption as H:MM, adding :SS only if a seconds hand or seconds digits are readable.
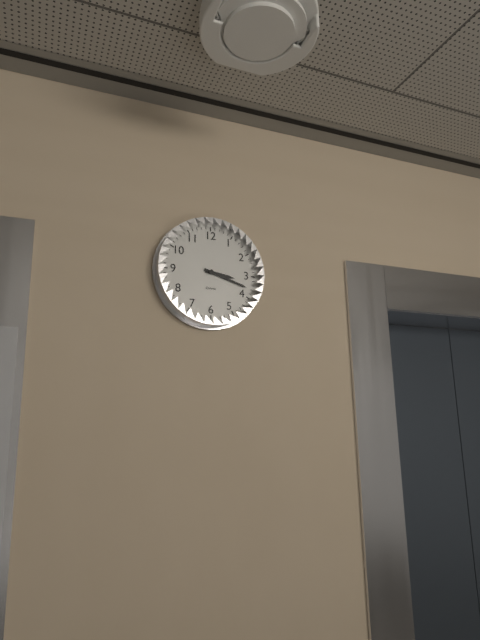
3:18
